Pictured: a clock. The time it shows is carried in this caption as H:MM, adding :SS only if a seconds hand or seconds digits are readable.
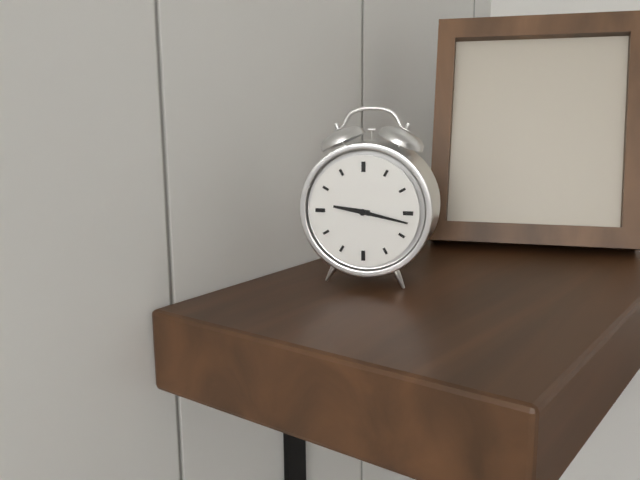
9:17
